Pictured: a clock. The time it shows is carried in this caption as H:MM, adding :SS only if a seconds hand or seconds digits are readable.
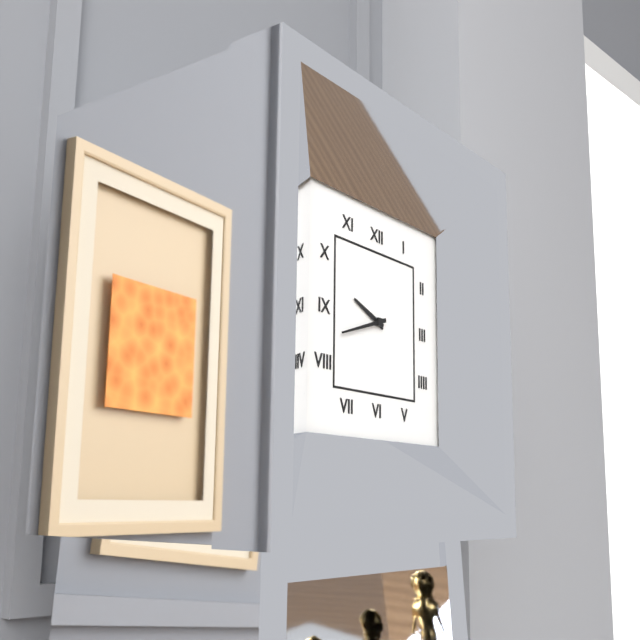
9:42
